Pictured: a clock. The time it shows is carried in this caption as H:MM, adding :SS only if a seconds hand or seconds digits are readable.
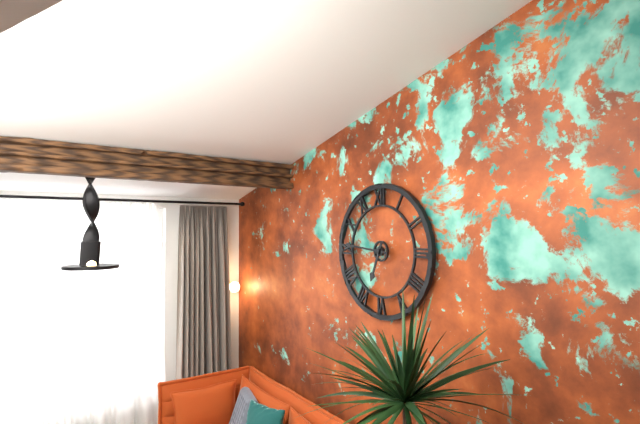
6:46
